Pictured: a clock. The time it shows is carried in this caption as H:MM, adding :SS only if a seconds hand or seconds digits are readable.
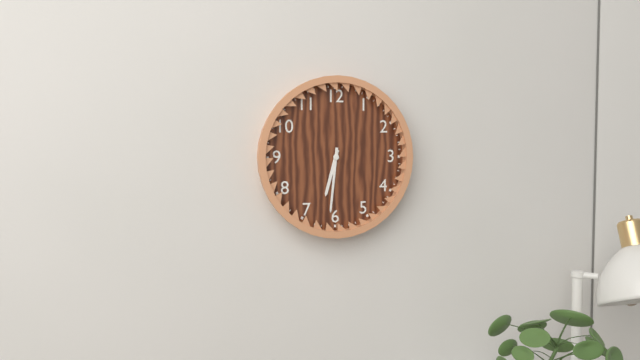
6:31
